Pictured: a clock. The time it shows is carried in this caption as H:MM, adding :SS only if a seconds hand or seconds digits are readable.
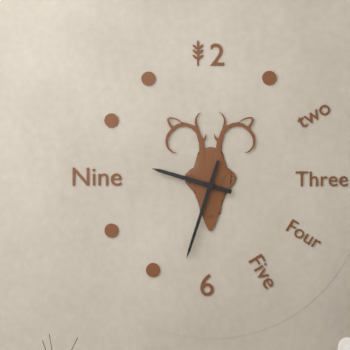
9:33
